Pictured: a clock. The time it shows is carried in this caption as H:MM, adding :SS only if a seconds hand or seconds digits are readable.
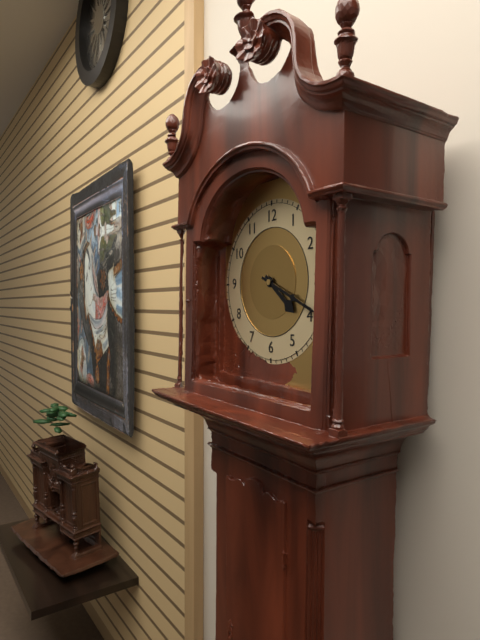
4:19
